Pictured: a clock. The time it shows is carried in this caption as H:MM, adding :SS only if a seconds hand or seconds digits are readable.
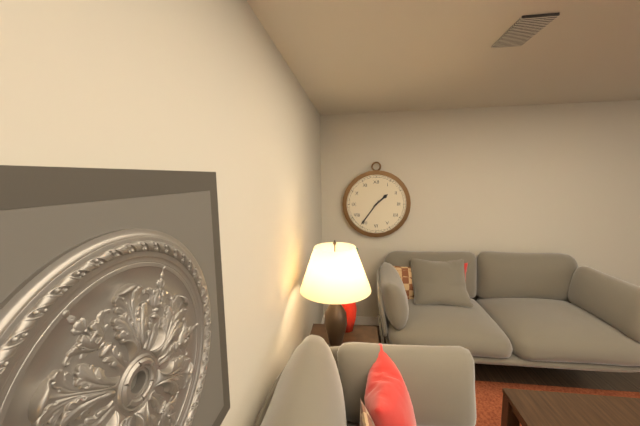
1:36
